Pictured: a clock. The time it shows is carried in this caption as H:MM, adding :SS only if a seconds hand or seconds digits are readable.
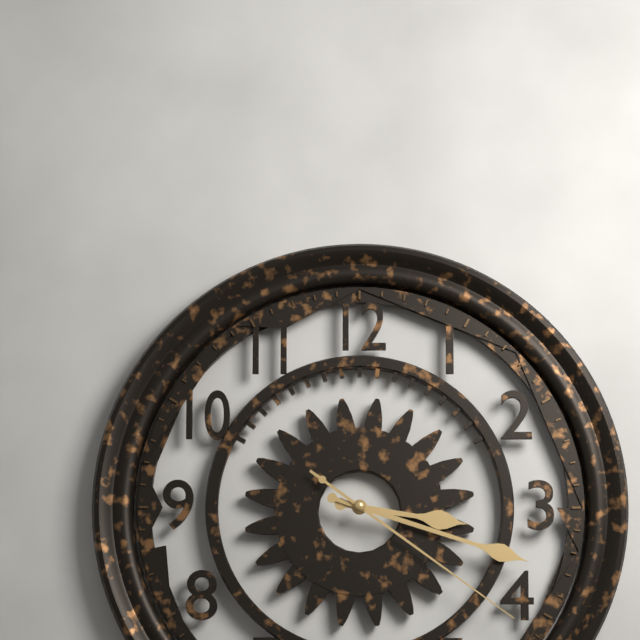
3:18:21
